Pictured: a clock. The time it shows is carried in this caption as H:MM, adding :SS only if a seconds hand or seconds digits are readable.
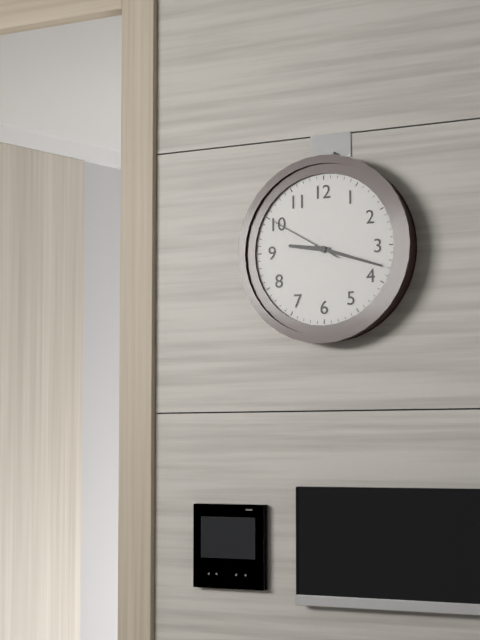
9:18:50
